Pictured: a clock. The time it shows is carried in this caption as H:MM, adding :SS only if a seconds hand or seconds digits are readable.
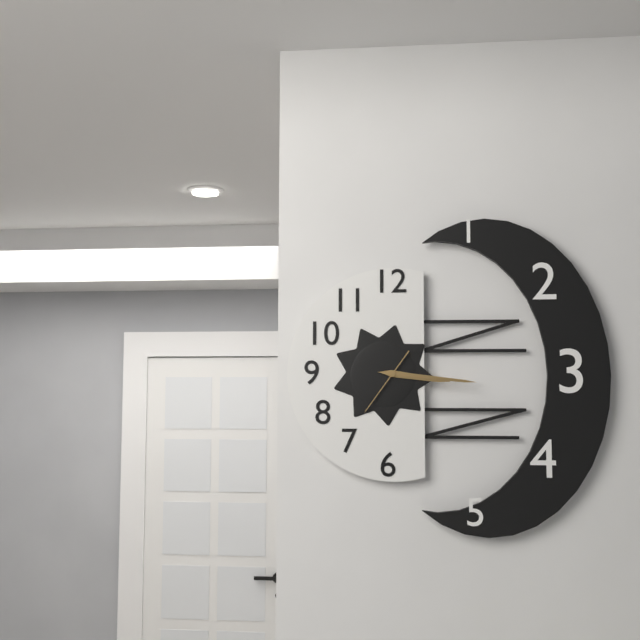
3:16:36
